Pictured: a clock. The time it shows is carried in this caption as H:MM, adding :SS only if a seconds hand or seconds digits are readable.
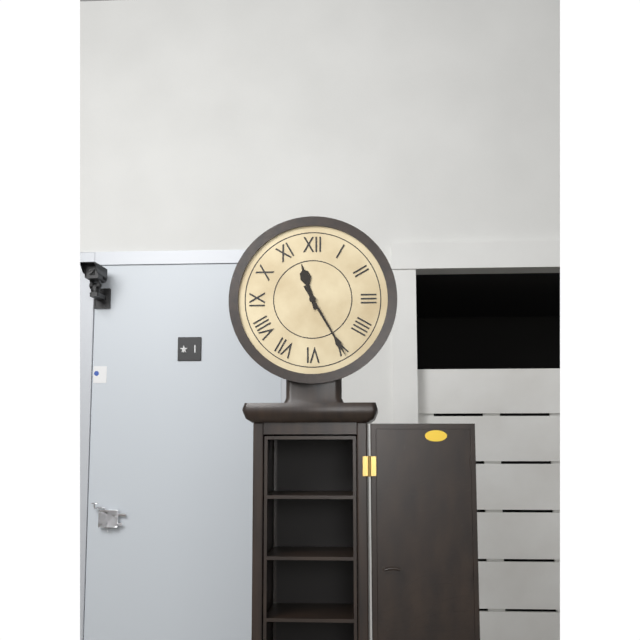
11:25
